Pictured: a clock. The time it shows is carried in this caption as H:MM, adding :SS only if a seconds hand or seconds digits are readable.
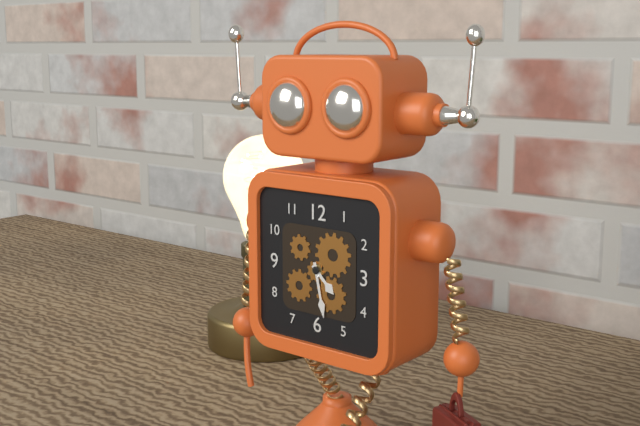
4:28
